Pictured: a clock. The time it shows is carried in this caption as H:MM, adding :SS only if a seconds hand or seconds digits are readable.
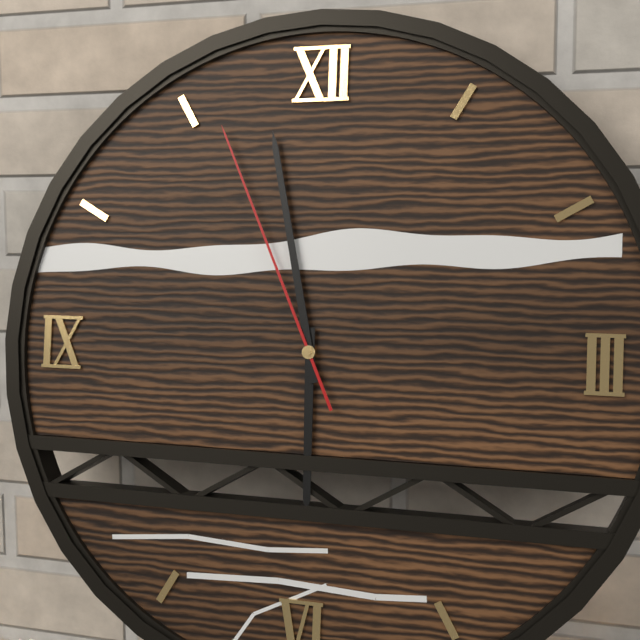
5:58:56
